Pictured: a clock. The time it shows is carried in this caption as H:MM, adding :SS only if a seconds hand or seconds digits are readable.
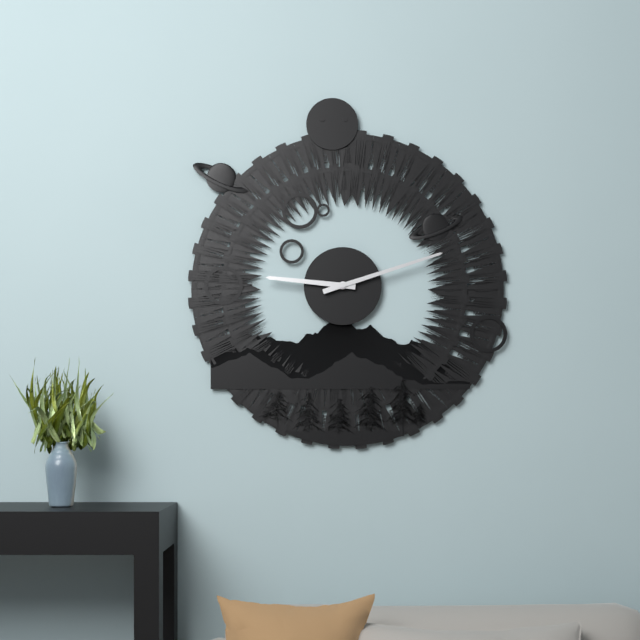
9:12
